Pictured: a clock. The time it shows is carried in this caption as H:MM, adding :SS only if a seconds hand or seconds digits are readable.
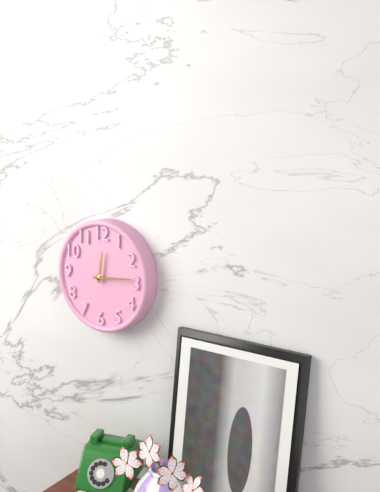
12:14
